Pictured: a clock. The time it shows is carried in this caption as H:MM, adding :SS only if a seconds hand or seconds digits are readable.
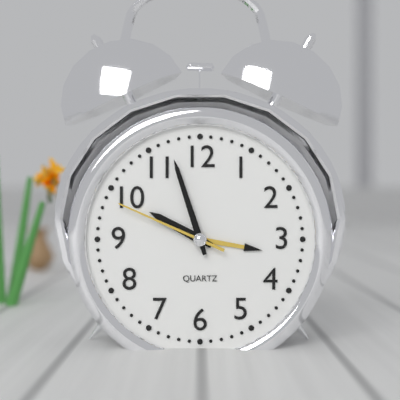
9:57:49
